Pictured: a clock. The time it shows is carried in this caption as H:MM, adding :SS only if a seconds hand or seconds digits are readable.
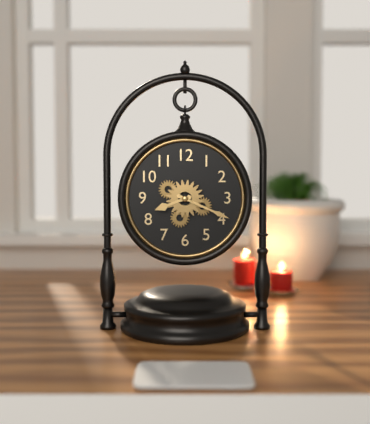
8:19
